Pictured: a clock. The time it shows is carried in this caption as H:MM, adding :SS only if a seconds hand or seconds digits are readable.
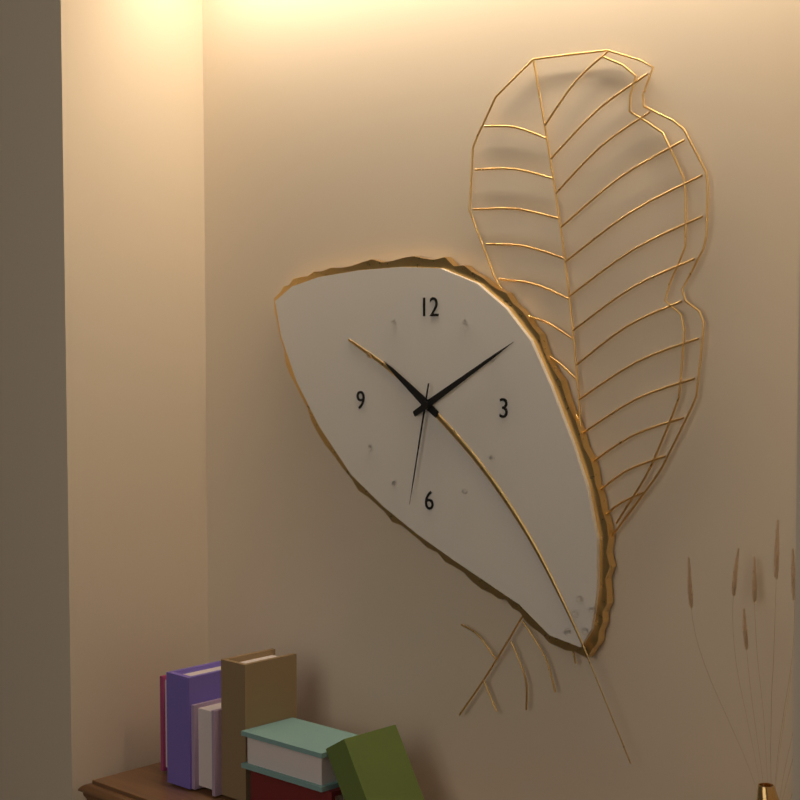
10:10:32
